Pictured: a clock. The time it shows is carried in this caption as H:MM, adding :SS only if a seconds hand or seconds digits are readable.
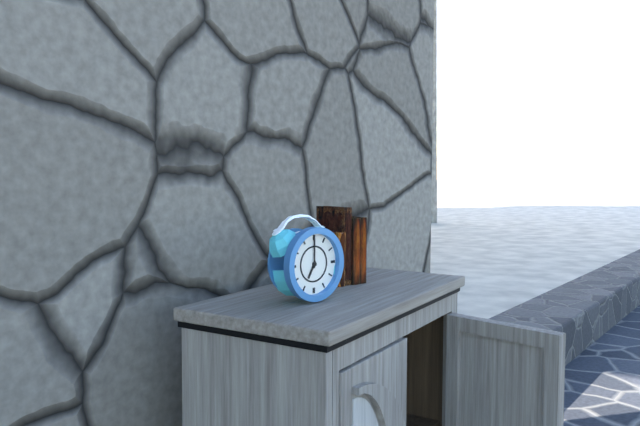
7:00
